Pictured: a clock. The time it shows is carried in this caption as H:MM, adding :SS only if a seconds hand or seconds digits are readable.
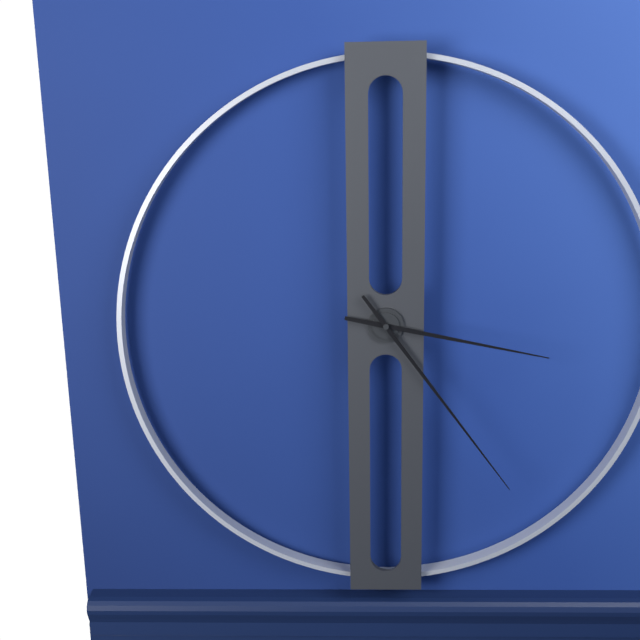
3:24
